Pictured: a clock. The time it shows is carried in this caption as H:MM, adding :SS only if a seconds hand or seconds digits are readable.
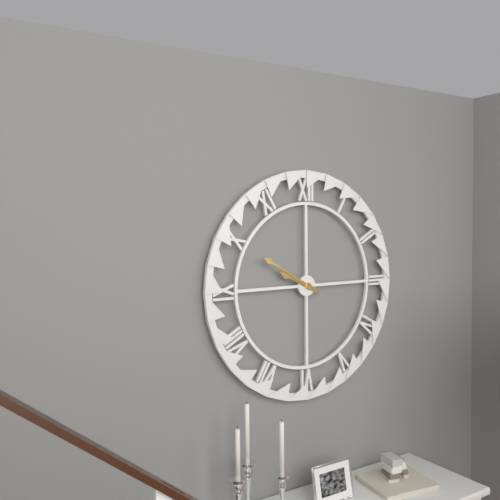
9:50
